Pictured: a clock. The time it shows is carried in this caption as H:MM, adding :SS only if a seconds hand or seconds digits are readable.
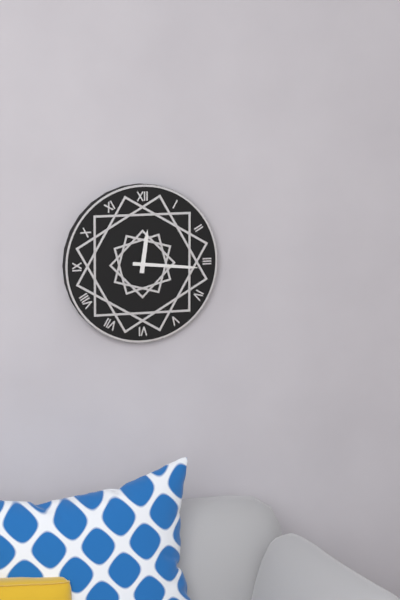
12:16
